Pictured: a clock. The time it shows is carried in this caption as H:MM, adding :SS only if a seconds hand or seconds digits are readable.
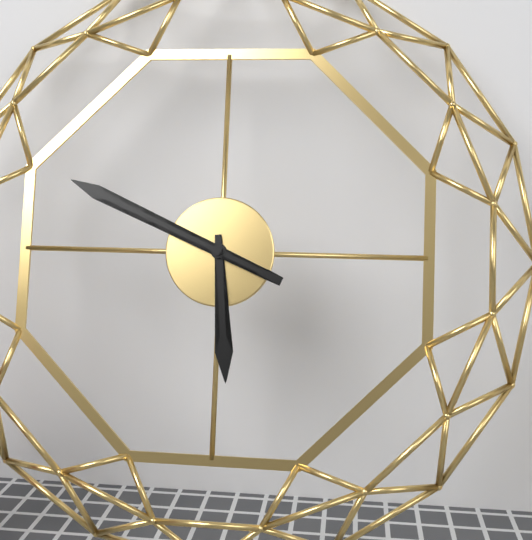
5:49
